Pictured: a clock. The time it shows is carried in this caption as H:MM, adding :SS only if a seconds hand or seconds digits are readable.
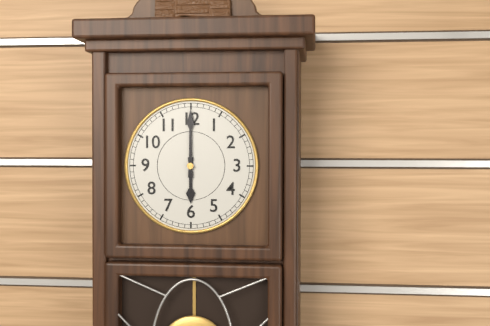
6:00
